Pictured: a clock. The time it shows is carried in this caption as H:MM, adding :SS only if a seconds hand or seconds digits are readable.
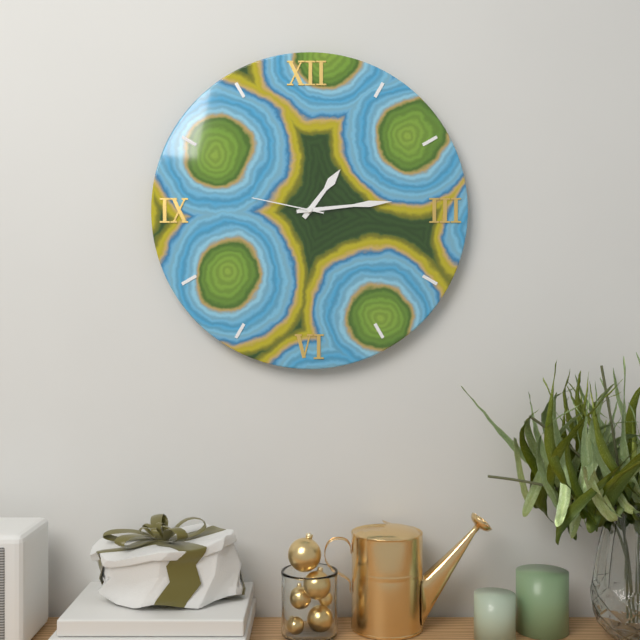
1:14:47
